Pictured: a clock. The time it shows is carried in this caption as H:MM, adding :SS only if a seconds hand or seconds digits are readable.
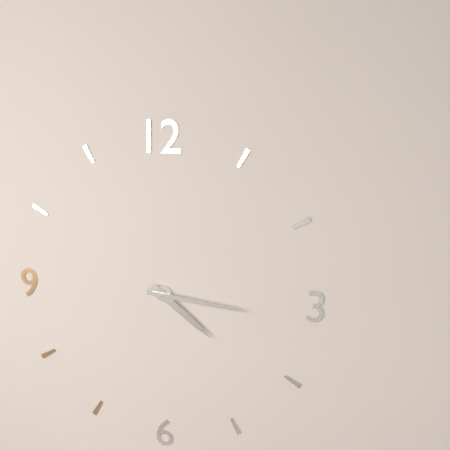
4:16
